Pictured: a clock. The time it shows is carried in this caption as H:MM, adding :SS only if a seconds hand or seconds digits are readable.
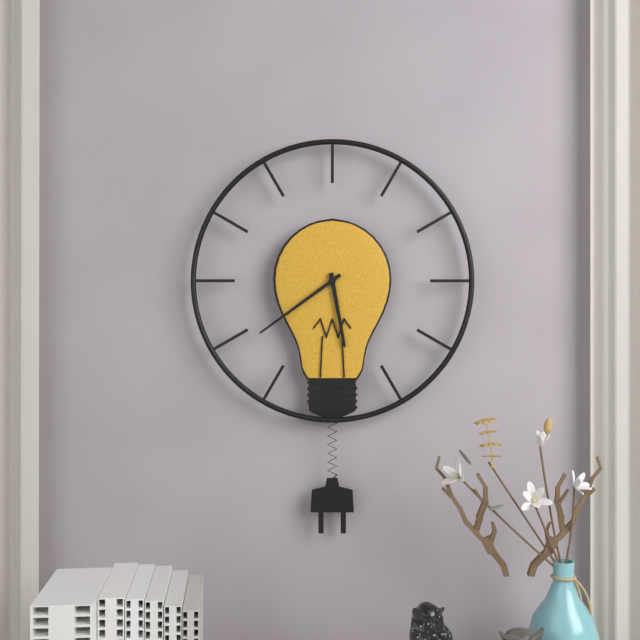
5:39
